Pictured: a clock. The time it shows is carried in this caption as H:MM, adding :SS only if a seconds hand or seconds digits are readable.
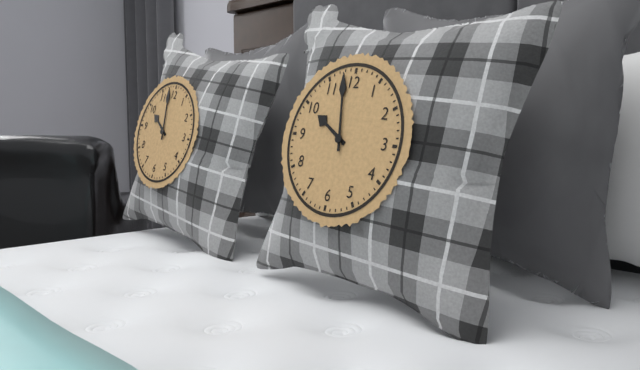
9:58
